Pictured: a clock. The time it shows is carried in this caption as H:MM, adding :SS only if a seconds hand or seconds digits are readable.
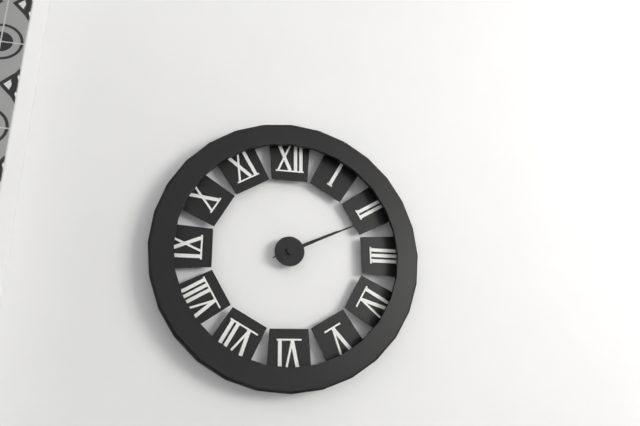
2:11:11
